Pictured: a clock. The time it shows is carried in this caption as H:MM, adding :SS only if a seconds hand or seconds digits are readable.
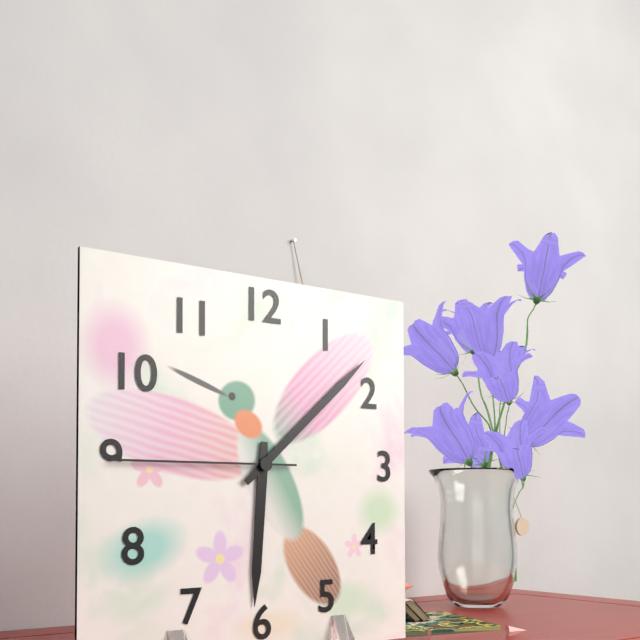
6:08:45
